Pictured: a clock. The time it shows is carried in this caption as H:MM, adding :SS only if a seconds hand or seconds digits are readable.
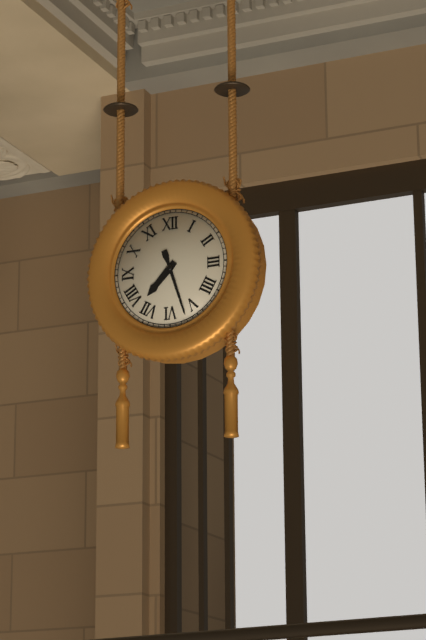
7:27
